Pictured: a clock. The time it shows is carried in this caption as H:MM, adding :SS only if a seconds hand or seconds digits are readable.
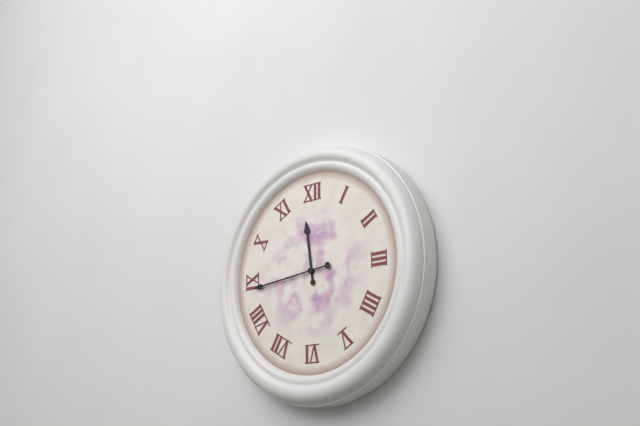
11:44
